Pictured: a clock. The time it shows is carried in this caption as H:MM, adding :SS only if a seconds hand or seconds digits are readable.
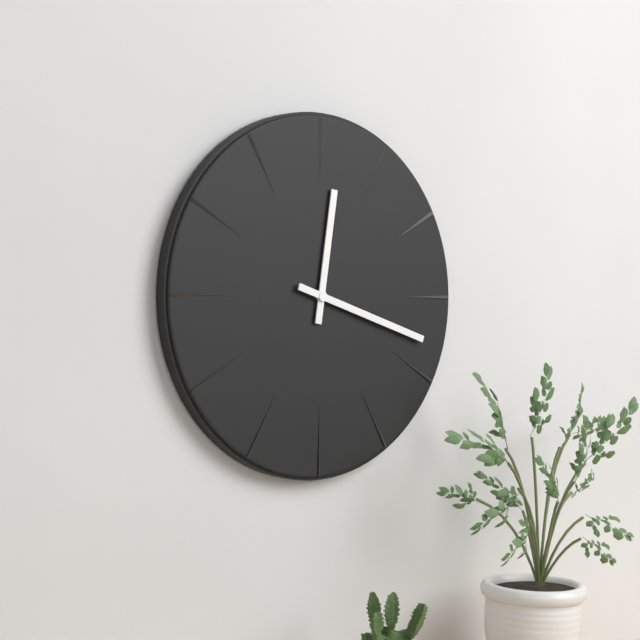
12:18
